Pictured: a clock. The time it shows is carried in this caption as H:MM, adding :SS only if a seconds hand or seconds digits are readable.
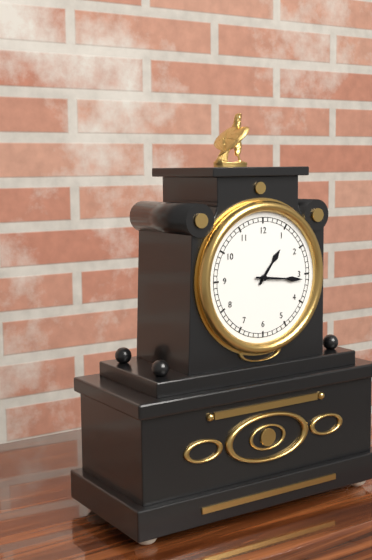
1:16
